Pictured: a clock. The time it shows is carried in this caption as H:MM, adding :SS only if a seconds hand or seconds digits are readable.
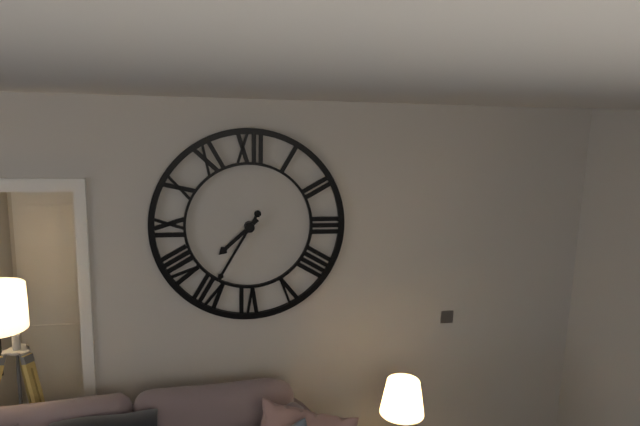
7:35
